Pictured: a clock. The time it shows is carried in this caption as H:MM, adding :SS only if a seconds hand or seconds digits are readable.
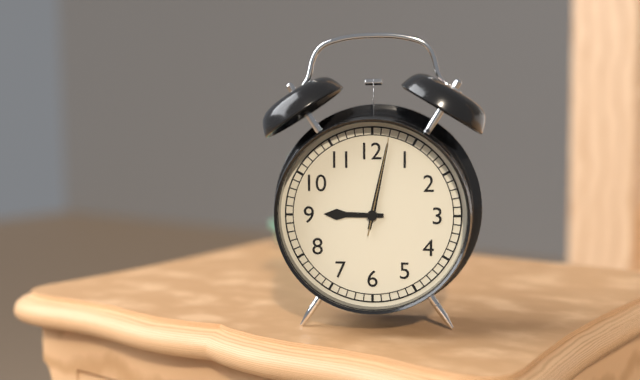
9:02:02
